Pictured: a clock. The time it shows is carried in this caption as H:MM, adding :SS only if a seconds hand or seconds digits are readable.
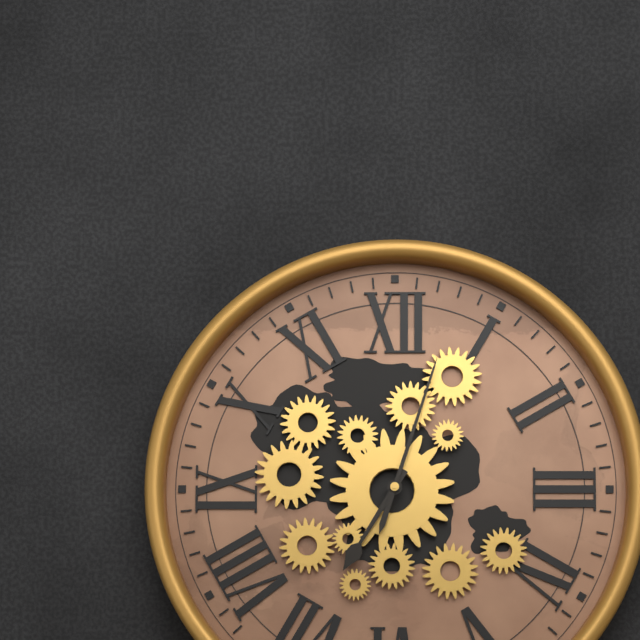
7:03
